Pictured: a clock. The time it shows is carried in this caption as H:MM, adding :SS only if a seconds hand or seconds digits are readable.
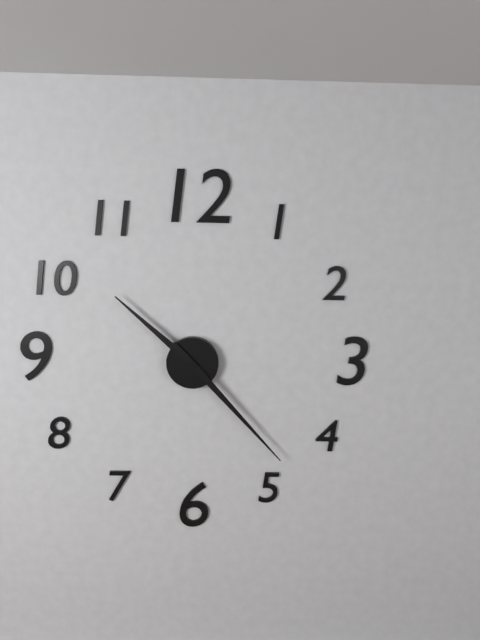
10:23
